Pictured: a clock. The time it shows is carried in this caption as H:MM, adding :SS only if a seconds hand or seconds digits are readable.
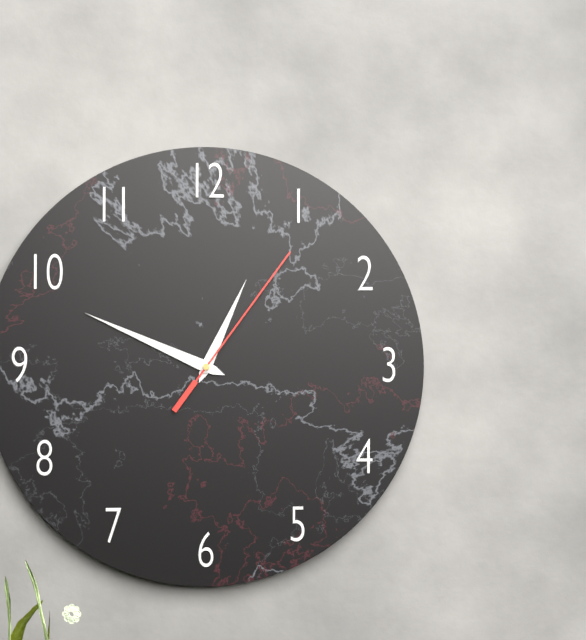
12:49:06
